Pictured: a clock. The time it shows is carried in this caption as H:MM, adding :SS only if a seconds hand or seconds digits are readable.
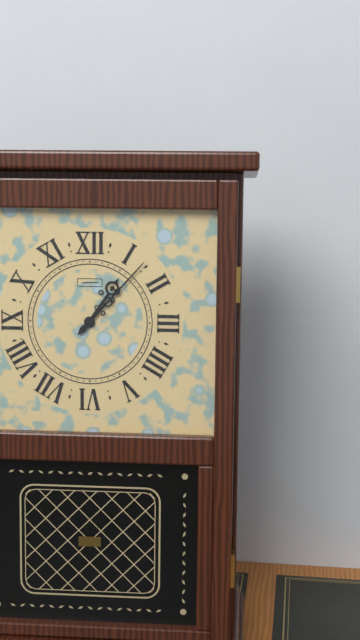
1:07
